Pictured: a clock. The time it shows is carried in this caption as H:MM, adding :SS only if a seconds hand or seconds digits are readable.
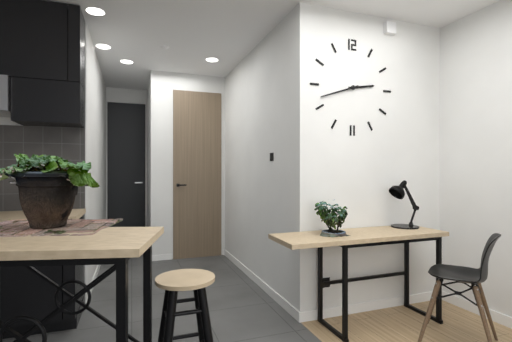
2:42
